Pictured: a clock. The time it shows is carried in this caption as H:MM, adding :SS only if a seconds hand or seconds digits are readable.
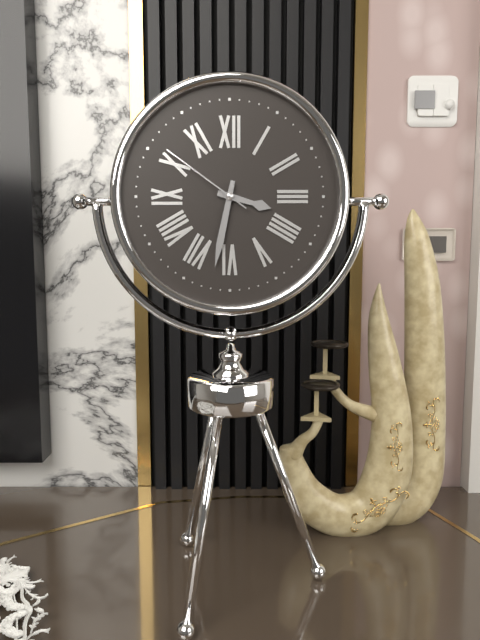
3:32:51
